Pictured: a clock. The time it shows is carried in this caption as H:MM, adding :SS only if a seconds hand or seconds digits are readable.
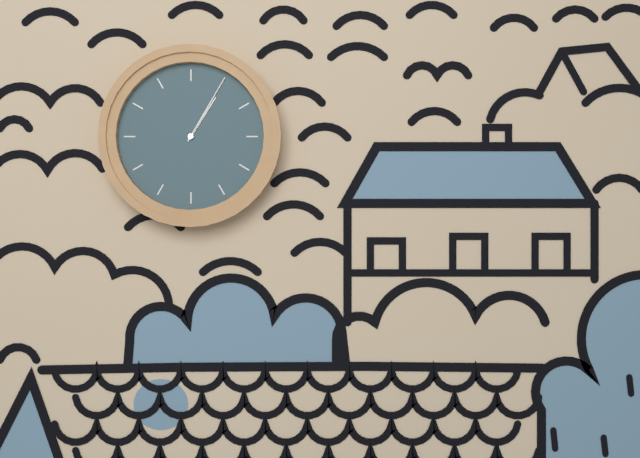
1:05
